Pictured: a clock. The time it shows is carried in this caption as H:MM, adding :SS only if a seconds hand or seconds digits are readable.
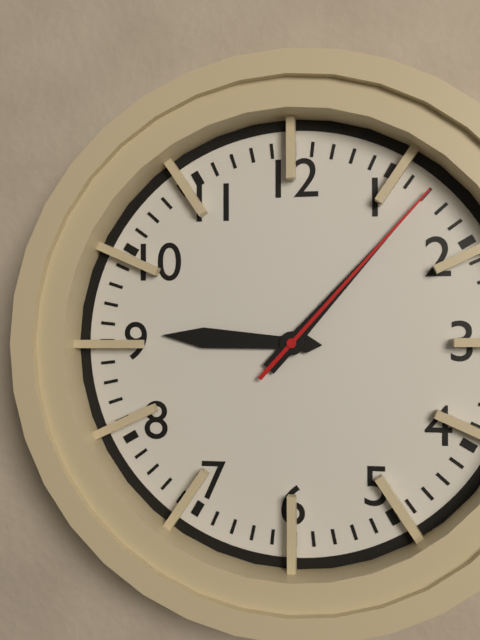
9:07:07
